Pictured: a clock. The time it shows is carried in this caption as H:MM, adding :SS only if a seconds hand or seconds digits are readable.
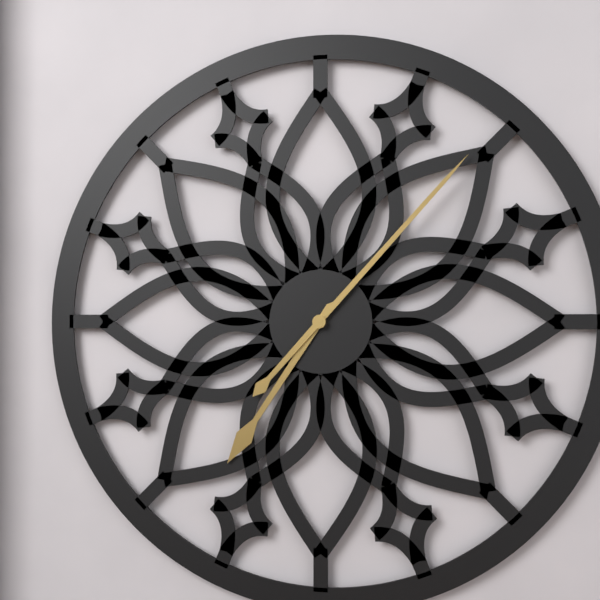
7:07
